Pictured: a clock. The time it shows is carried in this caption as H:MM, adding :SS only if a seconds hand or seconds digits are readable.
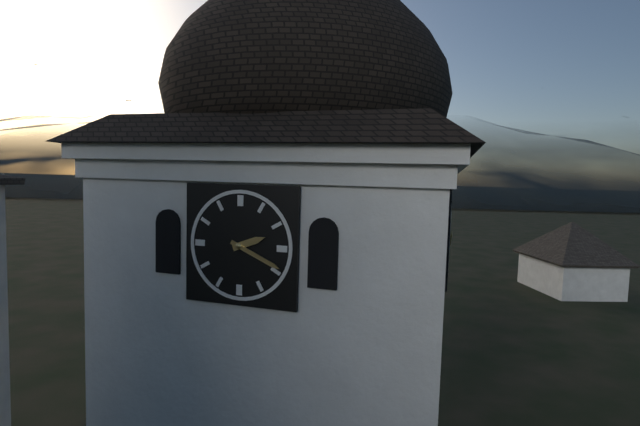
2:19
